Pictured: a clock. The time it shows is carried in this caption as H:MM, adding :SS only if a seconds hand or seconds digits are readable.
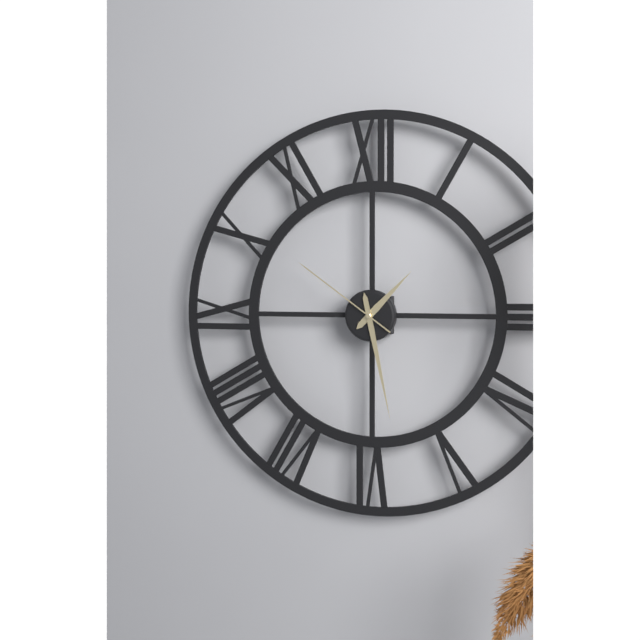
1:28:51
